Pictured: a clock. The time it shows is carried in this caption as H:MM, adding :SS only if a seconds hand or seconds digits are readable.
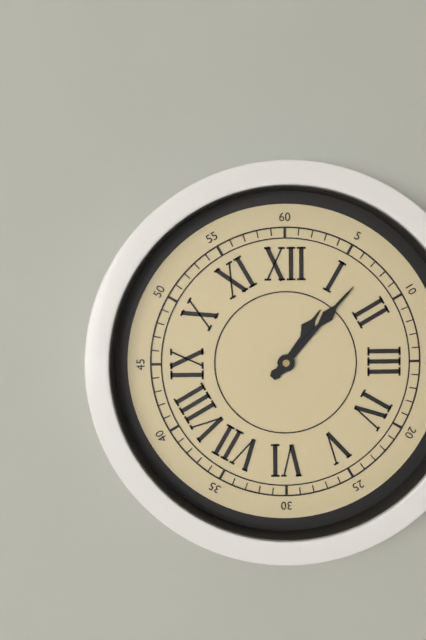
1:07
